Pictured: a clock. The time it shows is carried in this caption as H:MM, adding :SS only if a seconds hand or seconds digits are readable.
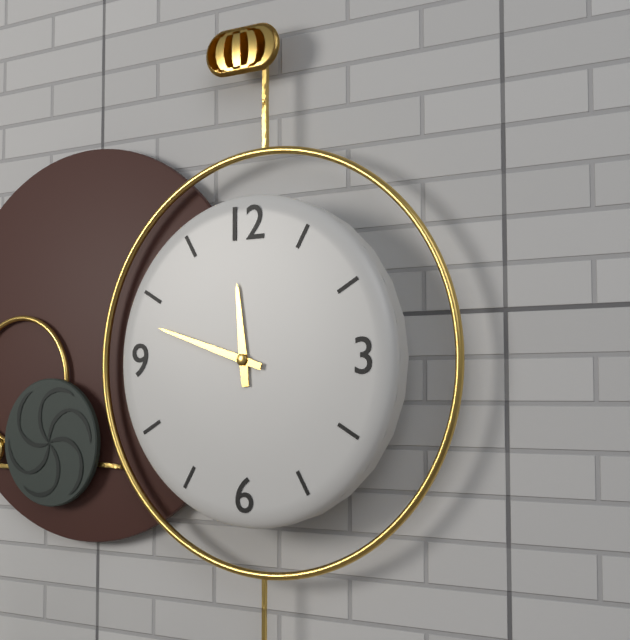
11:48
